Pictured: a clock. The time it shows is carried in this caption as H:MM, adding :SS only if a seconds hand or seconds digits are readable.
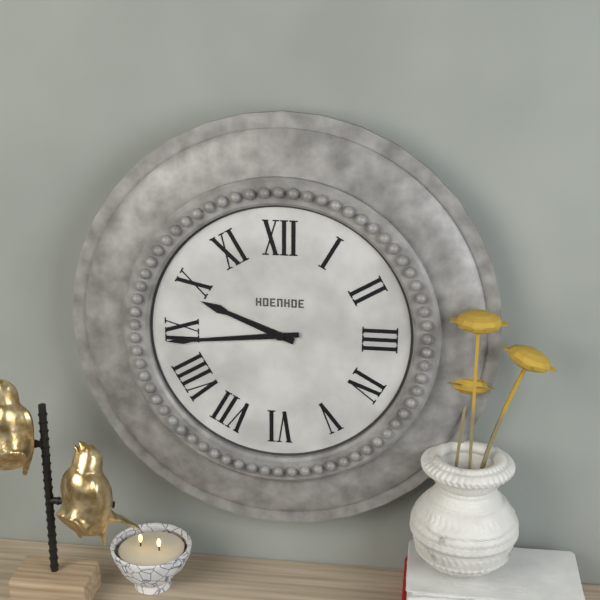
9:44
